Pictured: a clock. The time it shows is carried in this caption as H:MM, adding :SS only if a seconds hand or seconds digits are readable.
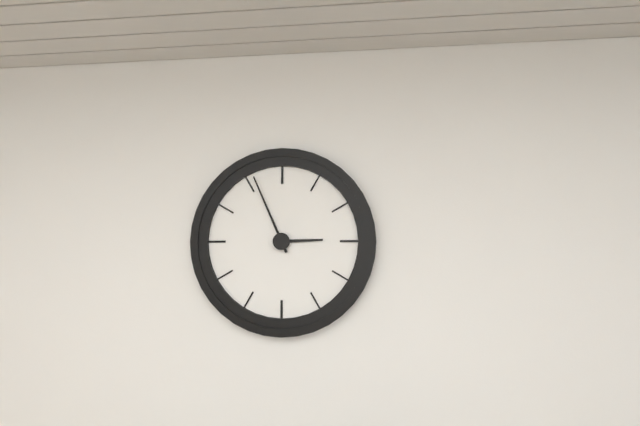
2:56
